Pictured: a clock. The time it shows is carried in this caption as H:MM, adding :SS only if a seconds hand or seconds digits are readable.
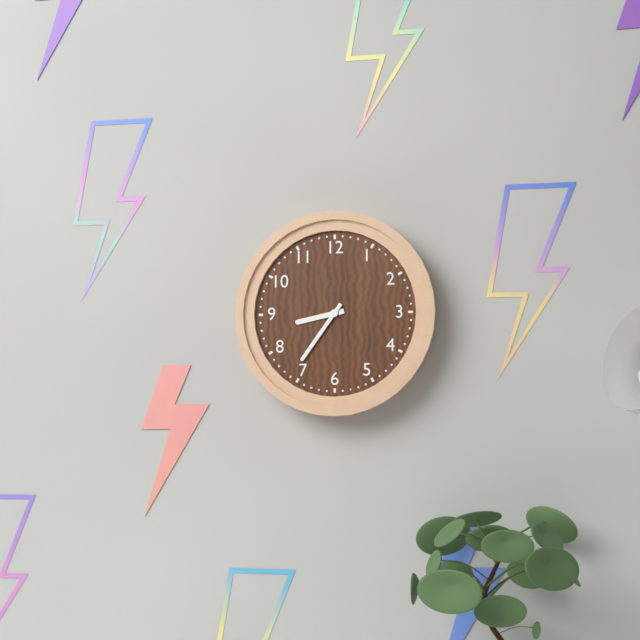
8:36
